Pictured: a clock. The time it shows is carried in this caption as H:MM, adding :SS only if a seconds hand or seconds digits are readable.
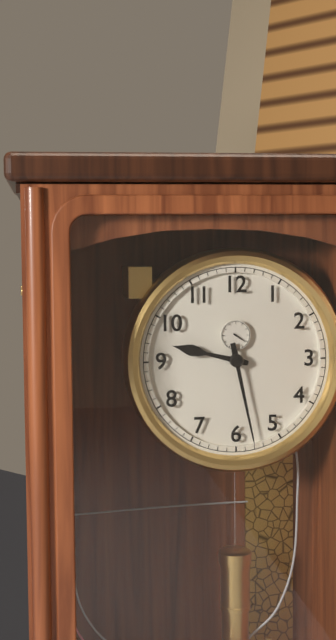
9:28
